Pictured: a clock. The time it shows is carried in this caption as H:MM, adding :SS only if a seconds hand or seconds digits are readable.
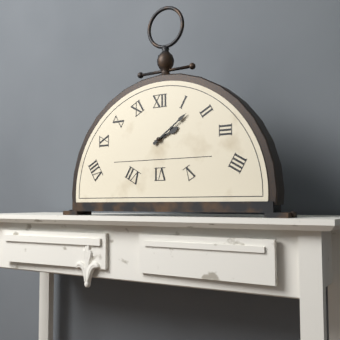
2:09
